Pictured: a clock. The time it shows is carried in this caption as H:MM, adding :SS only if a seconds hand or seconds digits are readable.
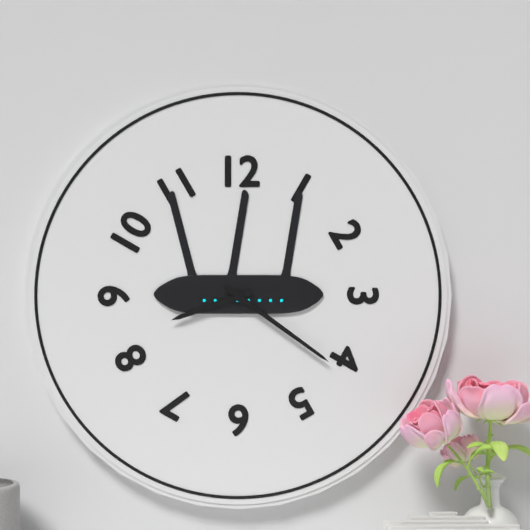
8:21
